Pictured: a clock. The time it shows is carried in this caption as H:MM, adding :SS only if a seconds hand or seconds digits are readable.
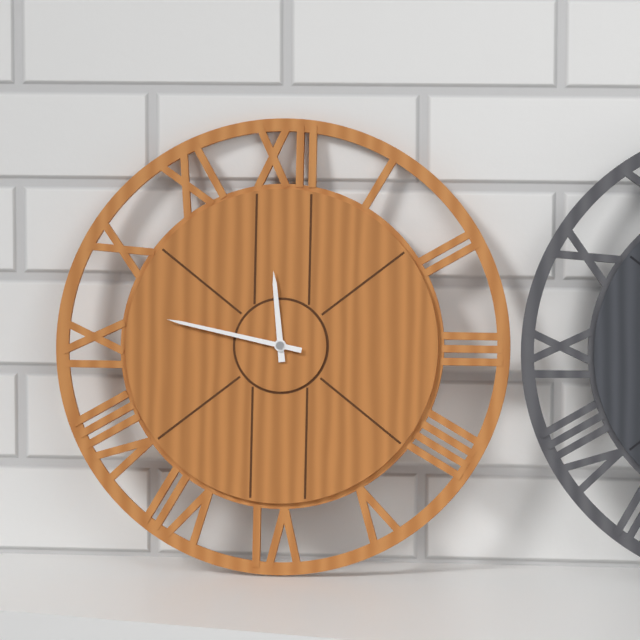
11:47
